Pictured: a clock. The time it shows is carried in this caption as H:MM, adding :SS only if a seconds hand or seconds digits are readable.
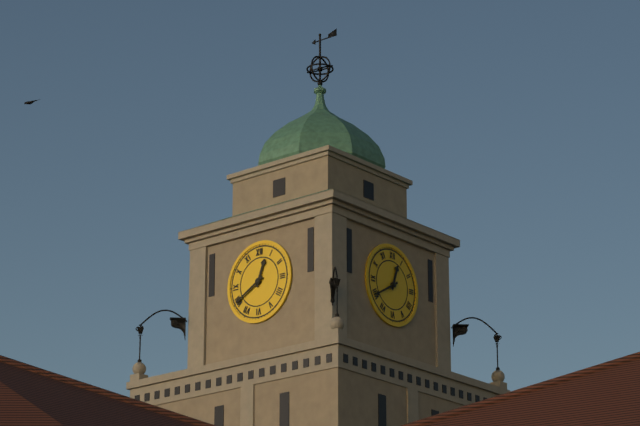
12:40
